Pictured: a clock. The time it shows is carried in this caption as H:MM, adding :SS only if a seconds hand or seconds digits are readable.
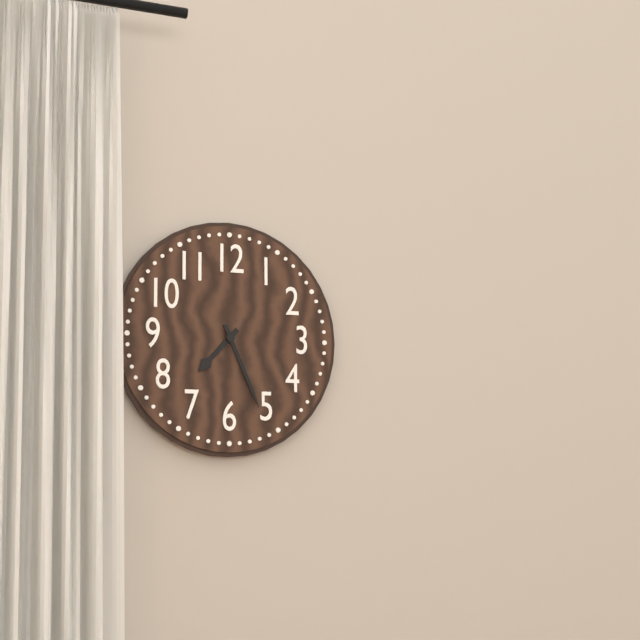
7:26
